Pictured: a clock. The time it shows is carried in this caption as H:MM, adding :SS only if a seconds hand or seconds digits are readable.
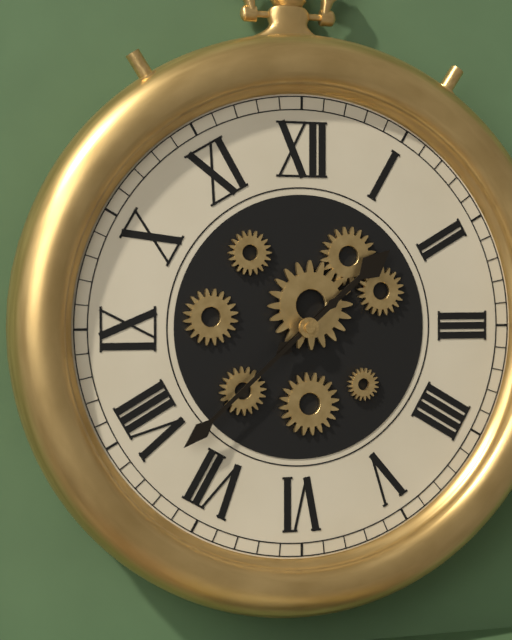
1:38
